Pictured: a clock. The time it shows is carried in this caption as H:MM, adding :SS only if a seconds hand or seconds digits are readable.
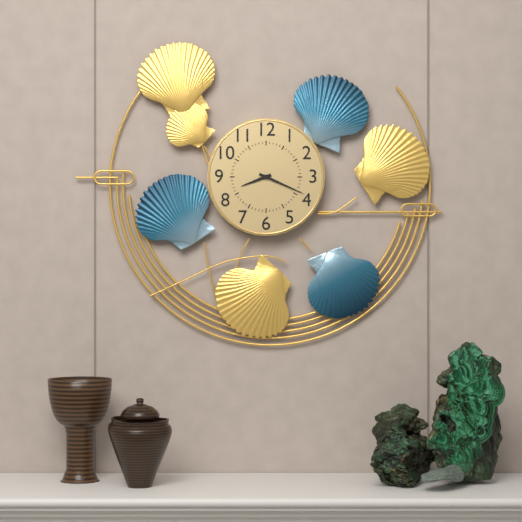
8:19
